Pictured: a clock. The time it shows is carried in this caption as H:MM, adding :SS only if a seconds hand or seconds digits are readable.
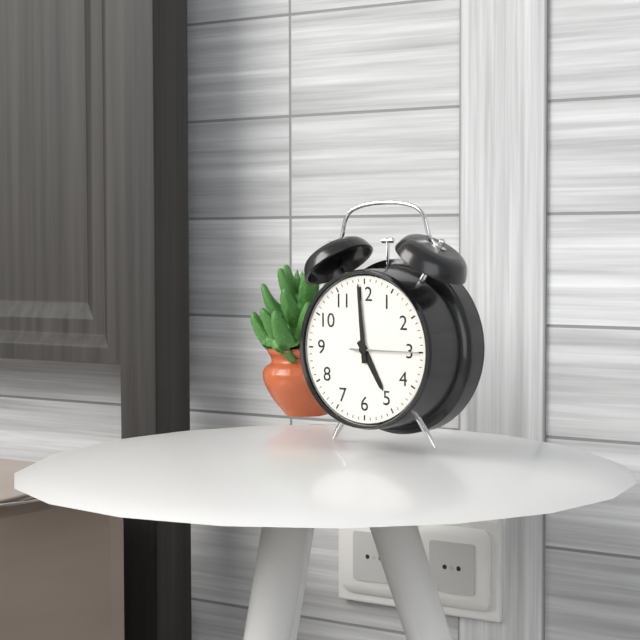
4:59:15
